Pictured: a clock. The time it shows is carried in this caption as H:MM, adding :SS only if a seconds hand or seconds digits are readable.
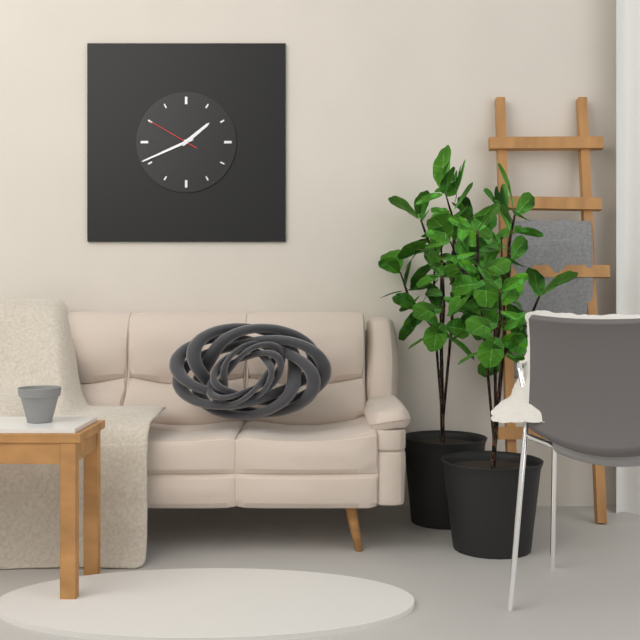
1:41:50
